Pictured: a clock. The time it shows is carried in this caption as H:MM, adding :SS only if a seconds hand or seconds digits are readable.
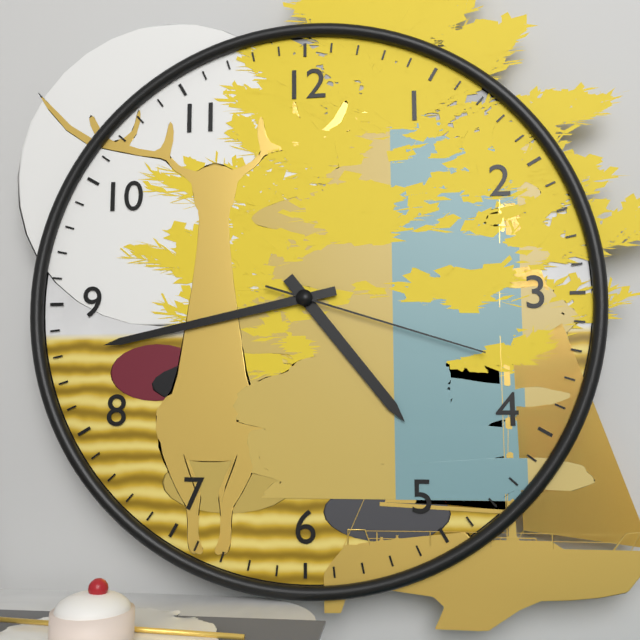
4:43:18
